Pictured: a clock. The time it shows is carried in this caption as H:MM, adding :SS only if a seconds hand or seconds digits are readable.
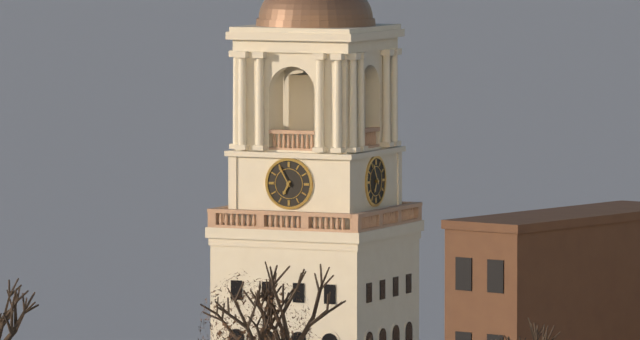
6:55
